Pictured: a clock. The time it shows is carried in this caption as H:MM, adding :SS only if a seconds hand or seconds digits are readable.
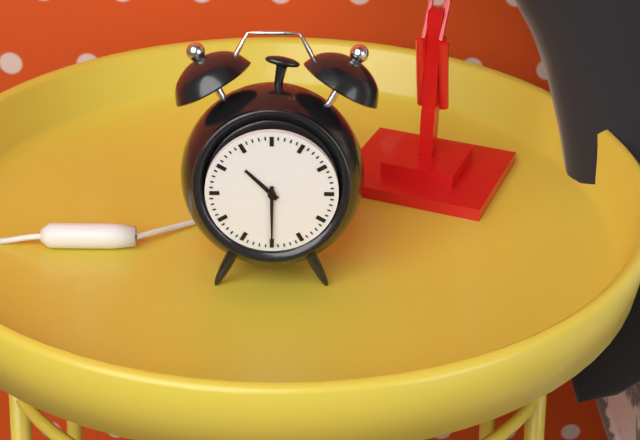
10:30
